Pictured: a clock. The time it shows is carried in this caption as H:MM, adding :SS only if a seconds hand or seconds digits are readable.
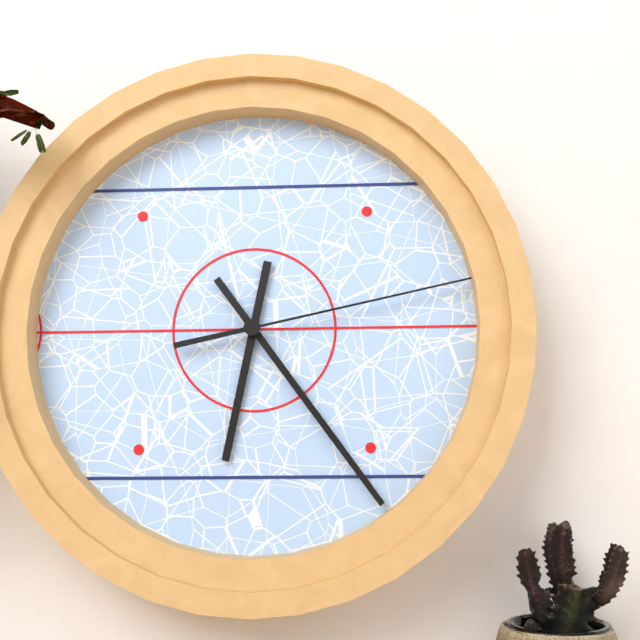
6:24:13
